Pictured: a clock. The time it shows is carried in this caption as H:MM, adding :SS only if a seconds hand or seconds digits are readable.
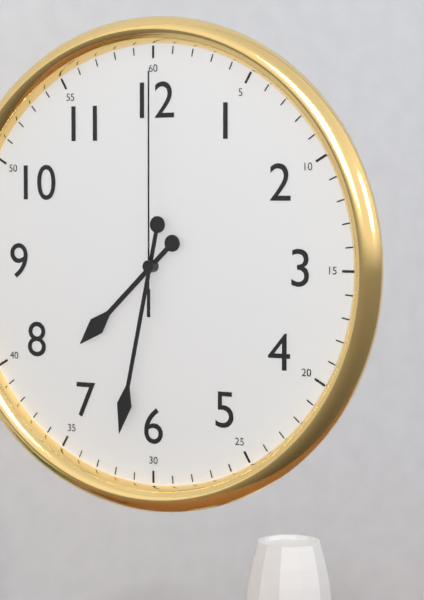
7:32:00
